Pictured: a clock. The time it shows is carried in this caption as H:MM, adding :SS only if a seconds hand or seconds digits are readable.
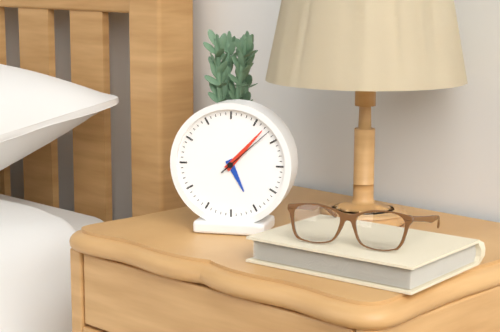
5:07:08
